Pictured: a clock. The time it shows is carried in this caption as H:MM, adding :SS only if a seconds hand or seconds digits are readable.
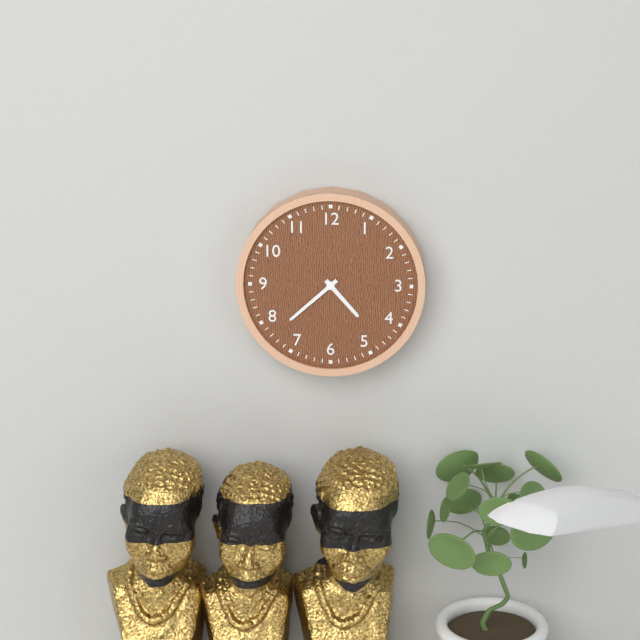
4:38
